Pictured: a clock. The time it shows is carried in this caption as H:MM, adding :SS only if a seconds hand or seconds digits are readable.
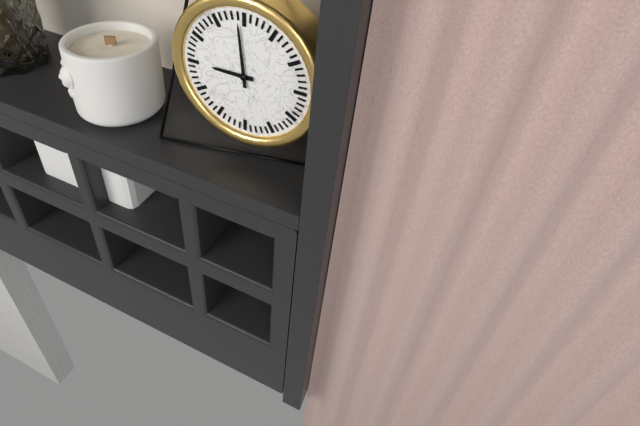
8:59
